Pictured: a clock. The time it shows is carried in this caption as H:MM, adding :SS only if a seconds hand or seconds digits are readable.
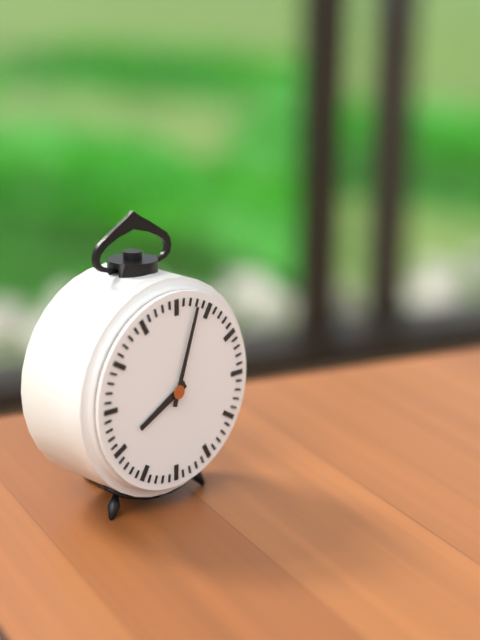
8:03
